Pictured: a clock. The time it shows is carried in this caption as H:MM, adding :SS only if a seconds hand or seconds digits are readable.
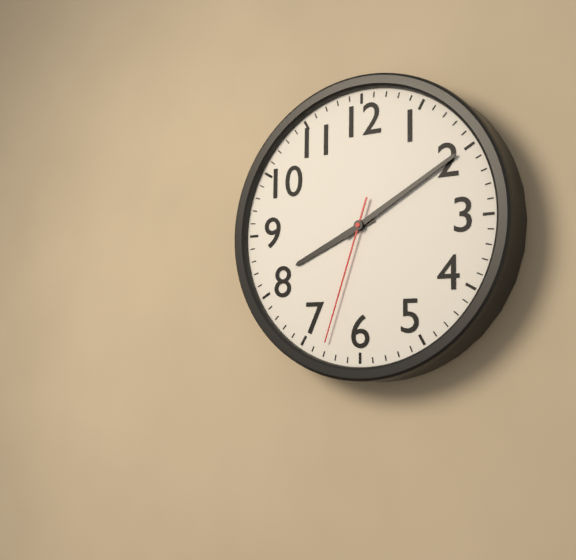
8:10:33
